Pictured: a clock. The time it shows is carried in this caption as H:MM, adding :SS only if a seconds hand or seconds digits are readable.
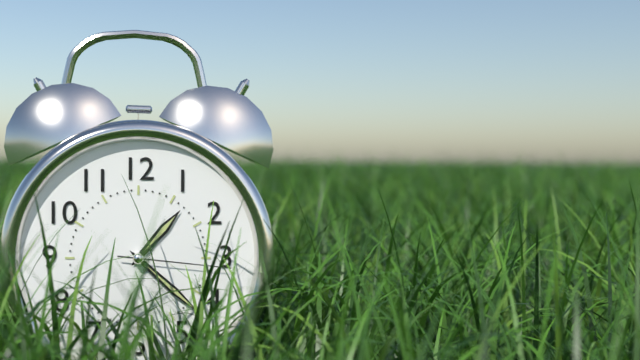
1:22:16
